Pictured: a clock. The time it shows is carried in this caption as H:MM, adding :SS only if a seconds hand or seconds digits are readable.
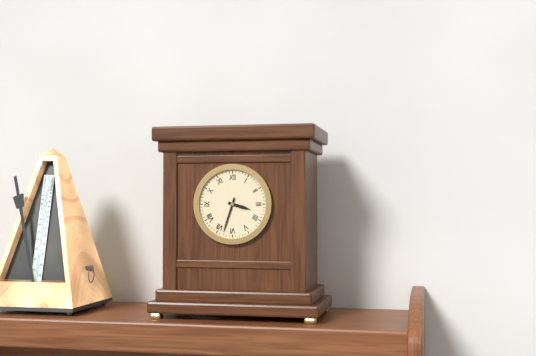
3:33
